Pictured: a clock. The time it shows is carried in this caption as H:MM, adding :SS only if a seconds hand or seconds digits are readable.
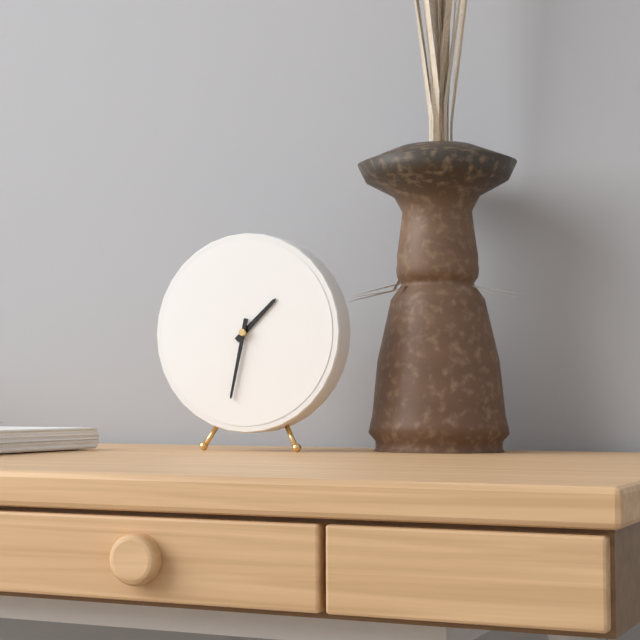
1:32
